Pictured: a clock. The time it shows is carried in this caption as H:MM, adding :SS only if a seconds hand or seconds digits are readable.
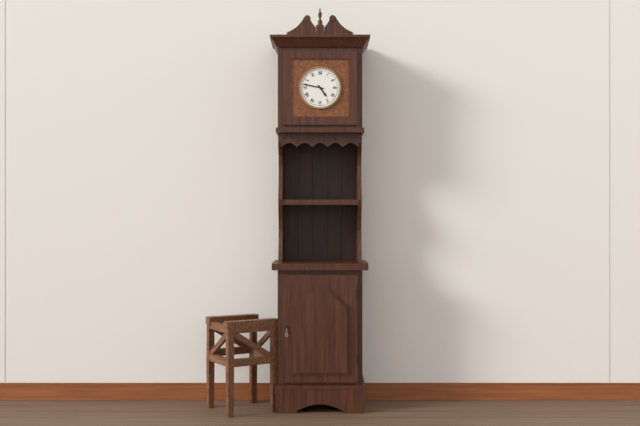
4:47
